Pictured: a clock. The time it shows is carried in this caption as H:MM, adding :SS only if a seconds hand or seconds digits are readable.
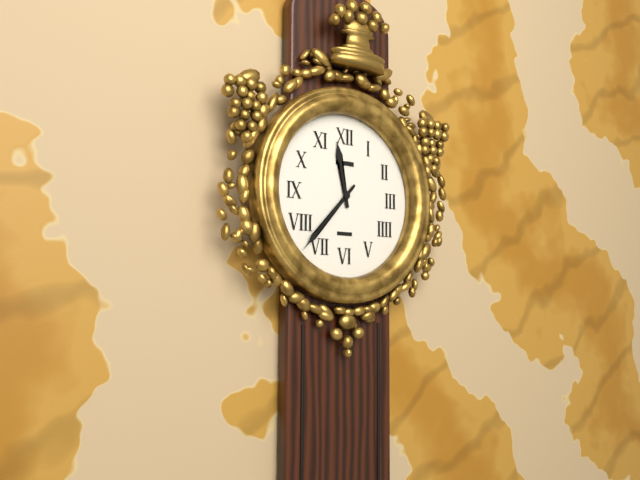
11:37
